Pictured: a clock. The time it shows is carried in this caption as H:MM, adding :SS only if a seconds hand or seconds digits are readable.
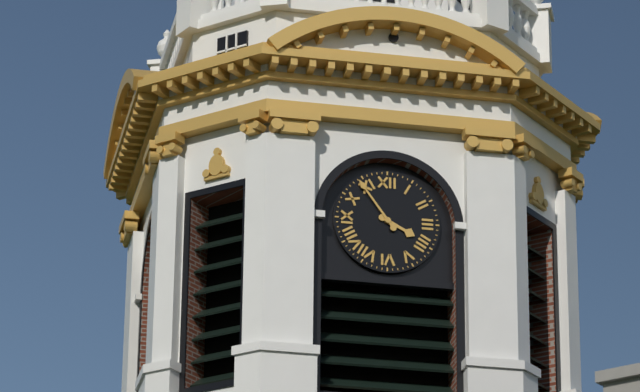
3:54
